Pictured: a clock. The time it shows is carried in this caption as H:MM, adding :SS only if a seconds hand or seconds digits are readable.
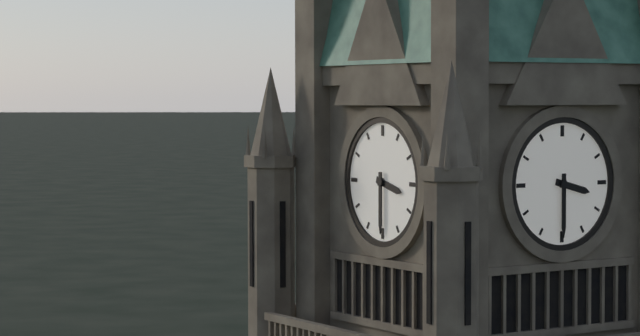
3:30
